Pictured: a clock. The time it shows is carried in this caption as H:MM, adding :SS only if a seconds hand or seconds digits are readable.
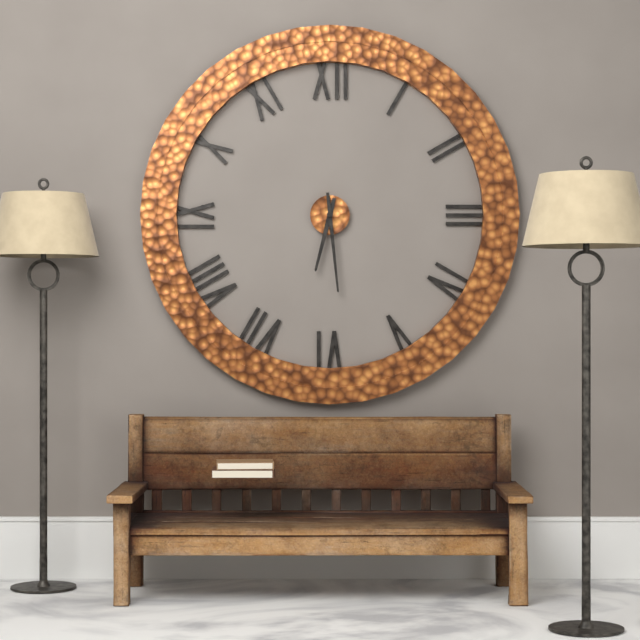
6:29
